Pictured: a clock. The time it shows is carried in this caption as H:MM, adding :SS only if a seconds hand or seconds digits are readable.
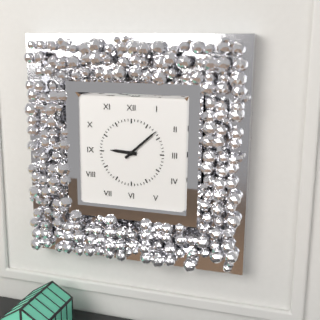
9:08
